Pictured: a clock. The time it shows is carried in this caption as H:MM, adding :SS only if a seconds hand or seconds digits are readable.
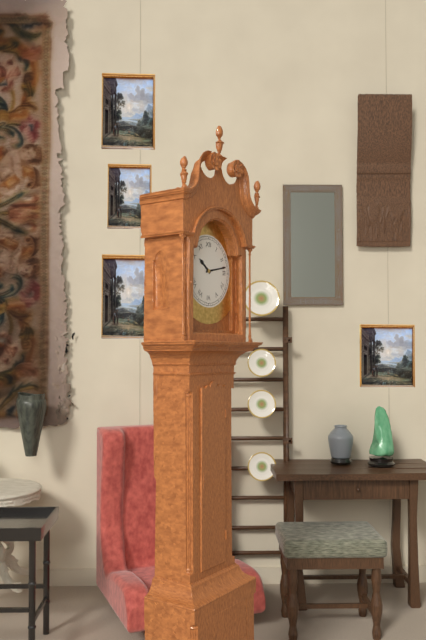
10:13
